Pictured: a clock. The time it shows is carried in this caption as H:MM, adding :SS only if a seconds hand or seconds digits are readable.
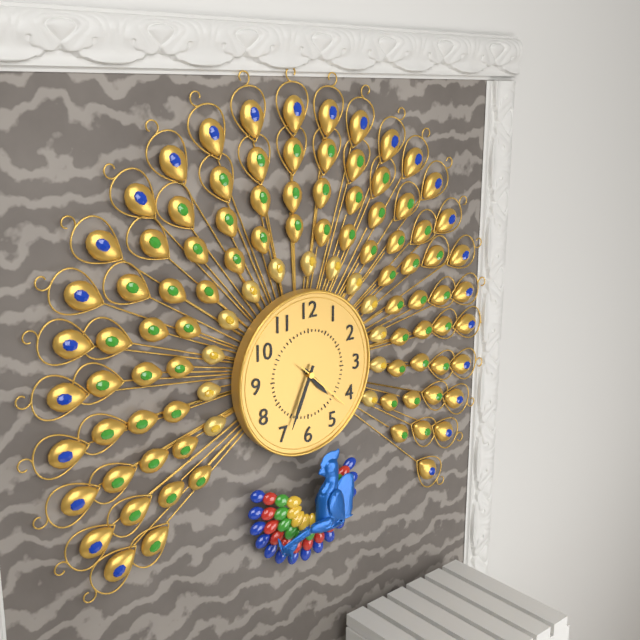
4:34:22
